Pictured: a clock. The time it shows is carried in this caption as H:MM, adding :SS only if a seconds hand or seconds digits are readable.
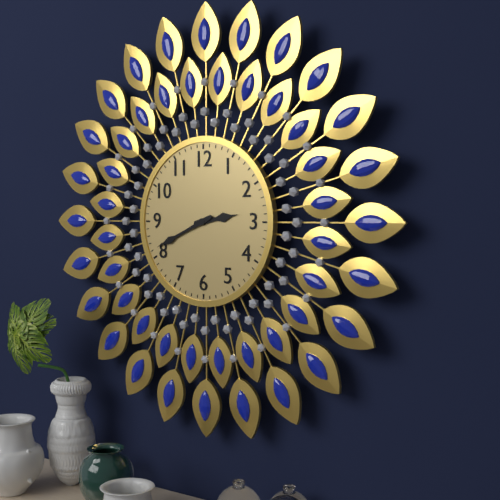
2:41
